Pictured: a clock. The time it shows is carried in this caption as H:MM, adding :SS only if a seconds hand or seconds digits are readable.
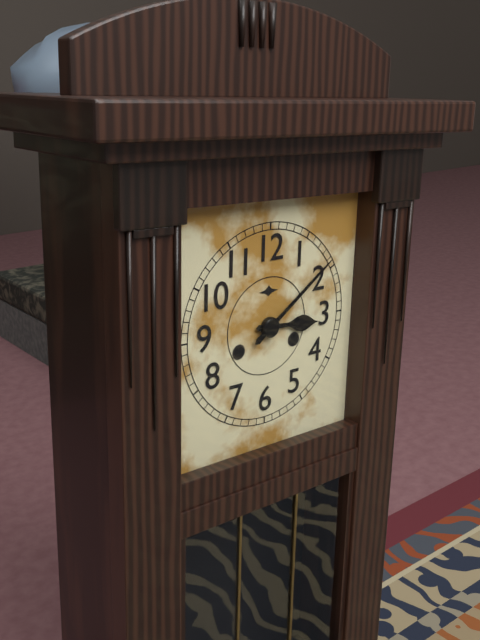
3:09
